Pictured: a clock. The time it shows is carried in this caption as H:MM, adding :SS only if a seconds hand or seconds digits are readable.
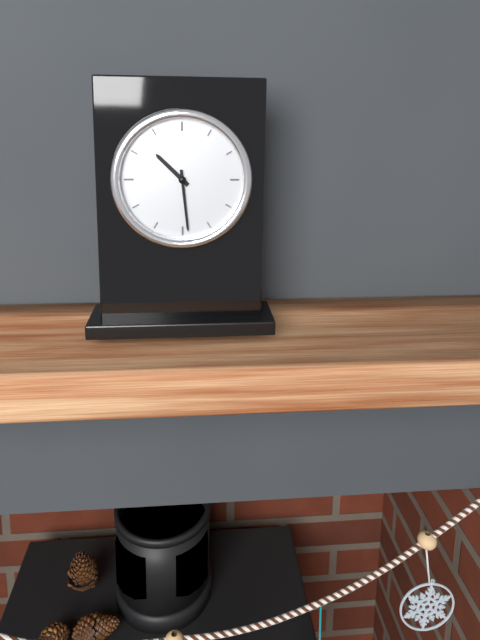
10:29
